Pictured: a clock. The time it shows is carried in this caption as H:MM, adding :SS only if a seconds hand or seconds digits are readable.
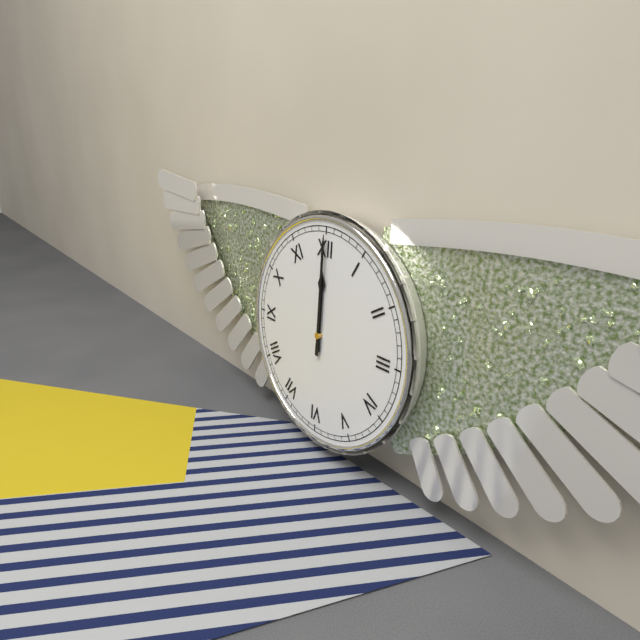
12:00
